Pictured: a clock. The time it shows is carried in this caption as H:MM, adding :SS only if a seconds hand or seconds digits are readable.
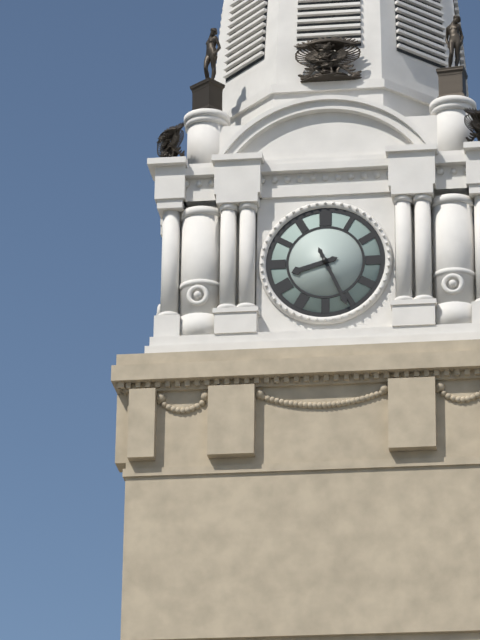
8:26
